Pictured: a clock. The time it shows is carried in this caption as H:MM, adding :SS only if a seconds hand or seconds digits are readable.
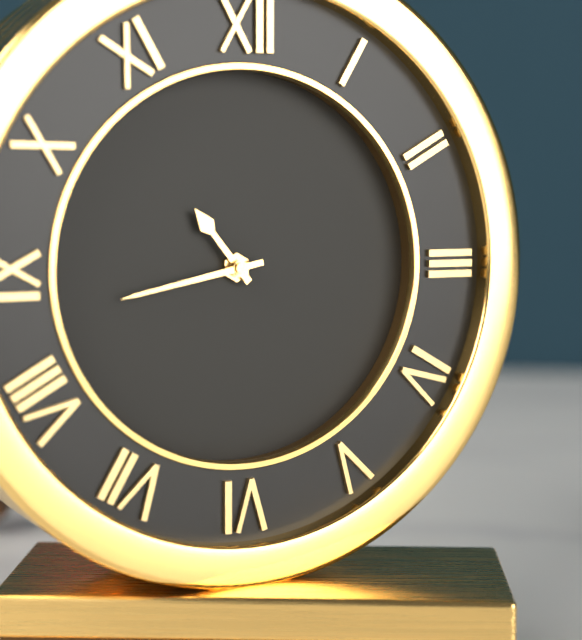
10:43
